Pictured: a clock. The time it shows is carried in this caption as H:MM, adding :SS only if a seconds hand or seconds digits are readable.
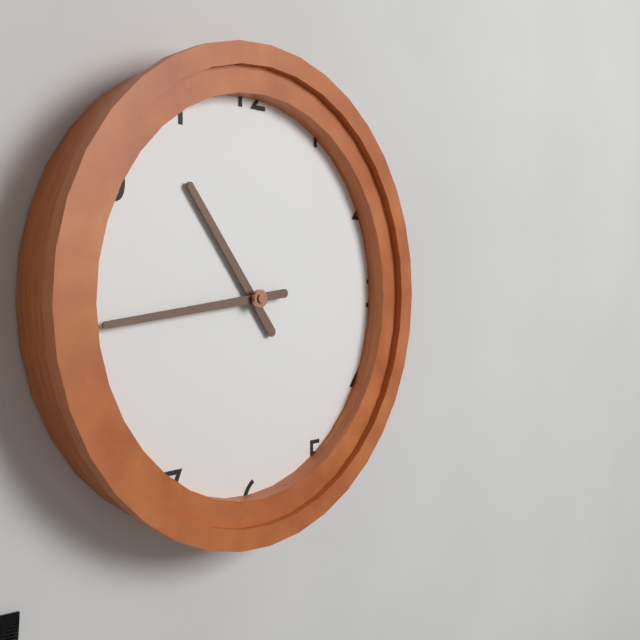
10:44
